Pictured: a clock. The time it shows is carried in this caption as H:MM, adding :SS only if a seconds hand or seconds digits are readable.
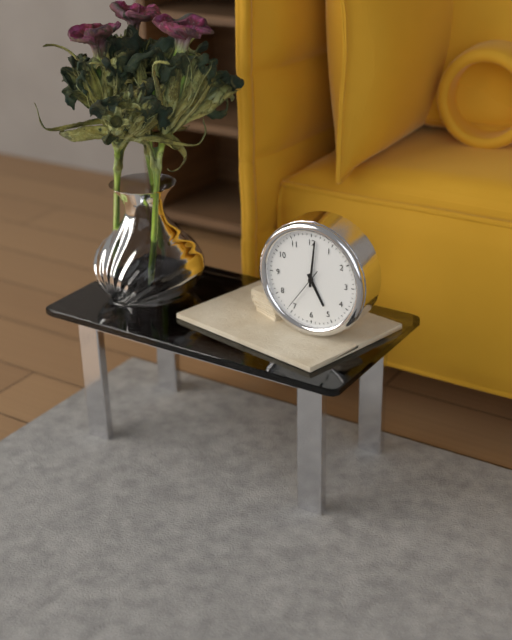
5:01
